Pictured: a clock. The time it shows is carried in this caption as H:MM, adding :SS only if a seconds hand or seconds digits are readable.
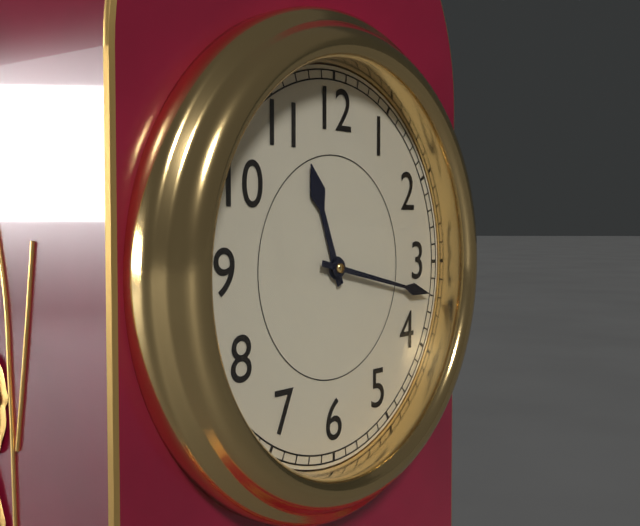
11:17
